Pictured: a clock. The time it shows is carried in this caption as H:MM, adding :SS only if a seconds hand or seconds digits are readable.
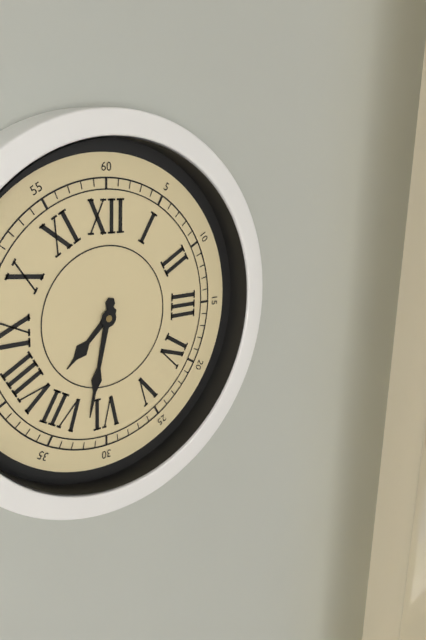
7:32
